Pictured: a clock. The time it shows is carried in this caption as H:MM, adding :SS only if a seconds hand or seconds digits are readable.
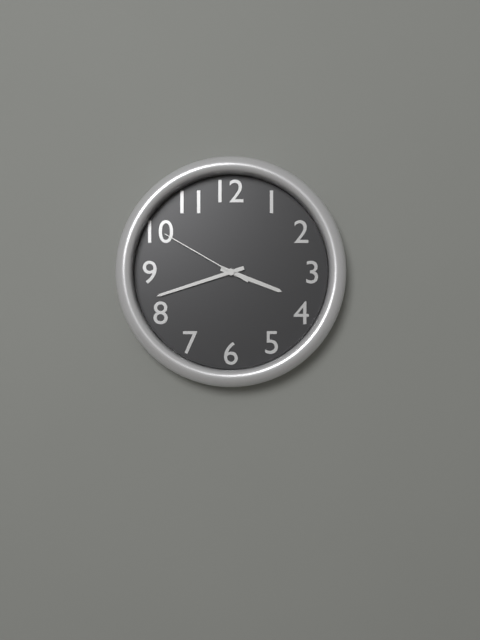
3:42:50
